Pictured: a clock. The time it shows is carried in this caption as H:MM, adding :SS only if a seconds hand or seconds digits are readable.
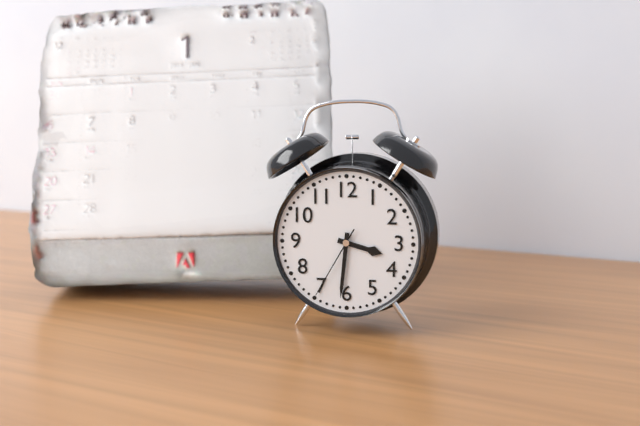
3:31:35
